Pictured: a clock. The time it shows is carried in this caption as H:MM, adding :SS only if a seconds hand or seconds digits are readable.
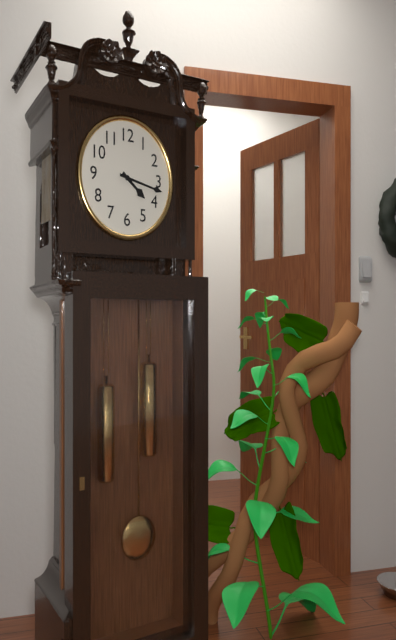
4:17
